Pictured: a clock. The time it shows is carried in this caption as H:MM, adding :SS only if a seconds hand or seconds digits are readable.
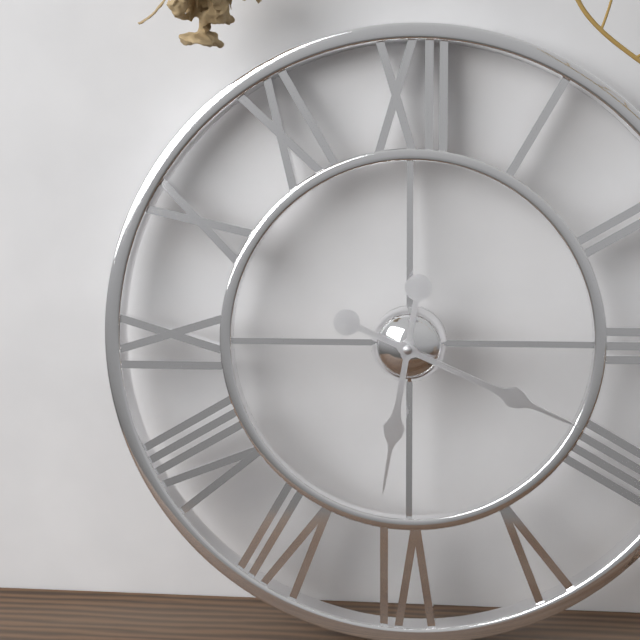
6:19
